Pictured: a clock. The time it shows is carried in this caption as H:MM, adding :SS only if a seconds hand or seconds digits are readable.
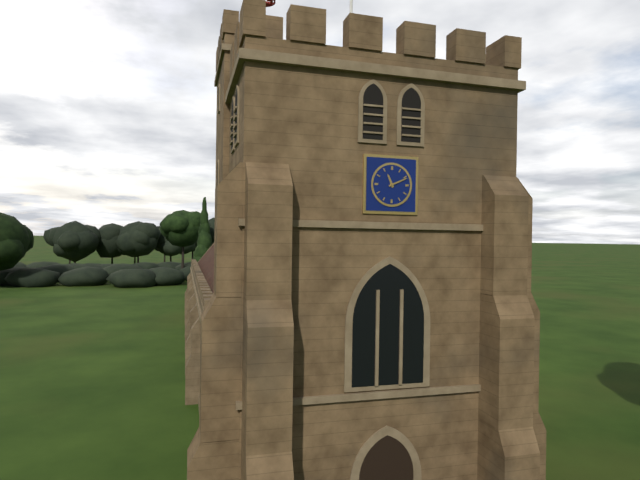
11:11
